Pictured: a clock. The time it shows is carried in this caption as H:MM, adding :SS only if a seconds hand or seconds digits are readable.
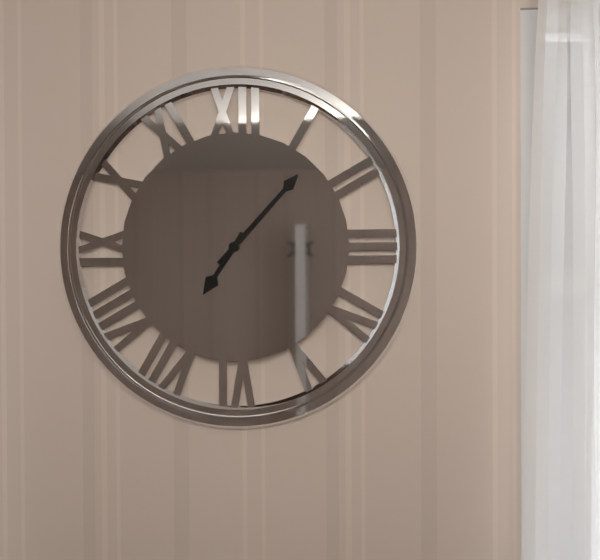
7:07
